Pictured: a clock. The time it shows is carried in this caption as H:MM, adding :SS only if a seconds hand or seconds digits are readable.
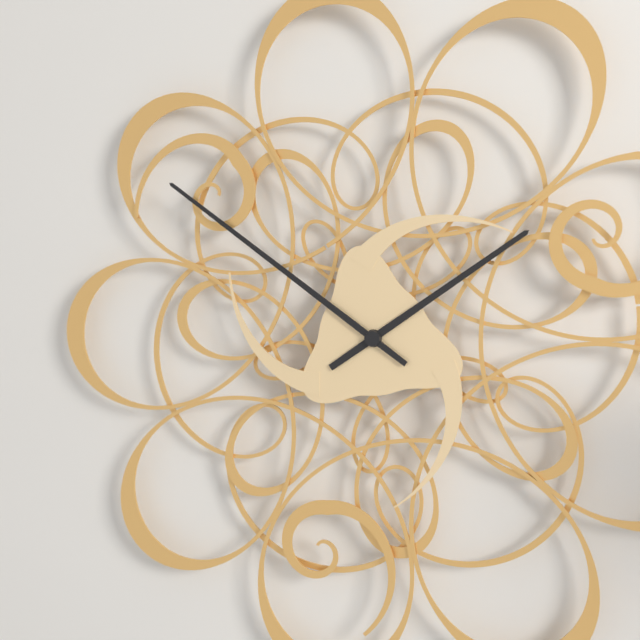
1:51
